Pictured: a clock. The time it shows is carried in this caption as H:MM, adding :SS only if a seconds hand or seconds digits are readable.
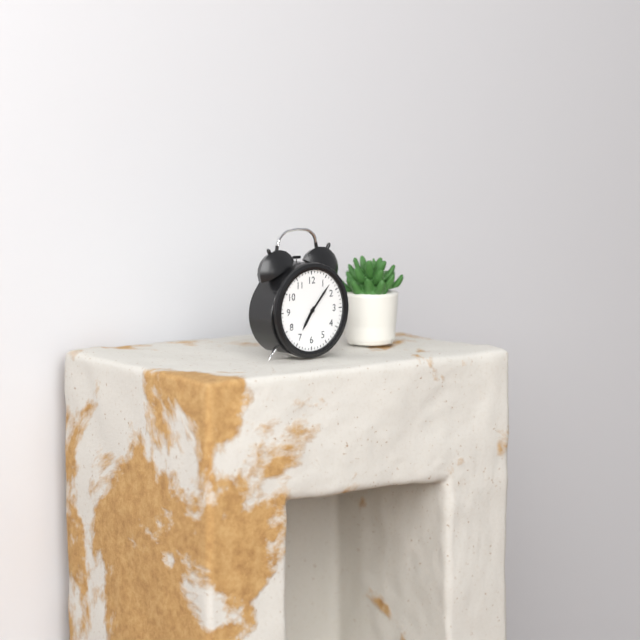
7:07
